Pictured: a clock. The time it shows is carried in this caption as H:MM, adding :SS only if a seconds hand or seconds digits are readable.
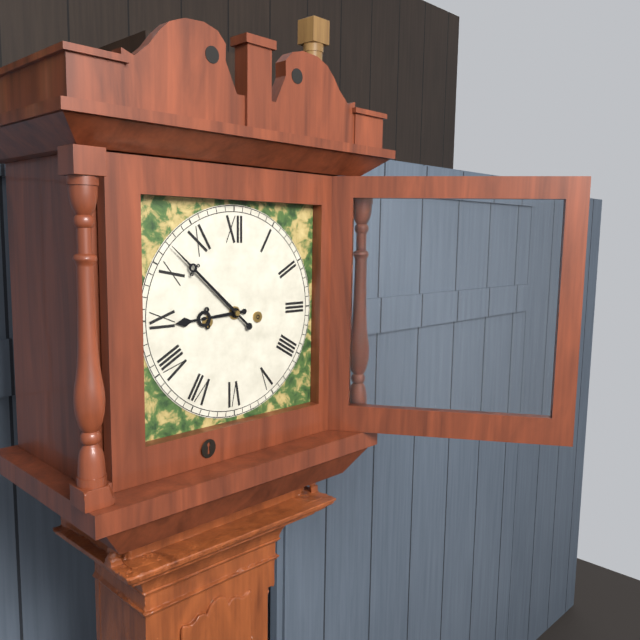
8:52
